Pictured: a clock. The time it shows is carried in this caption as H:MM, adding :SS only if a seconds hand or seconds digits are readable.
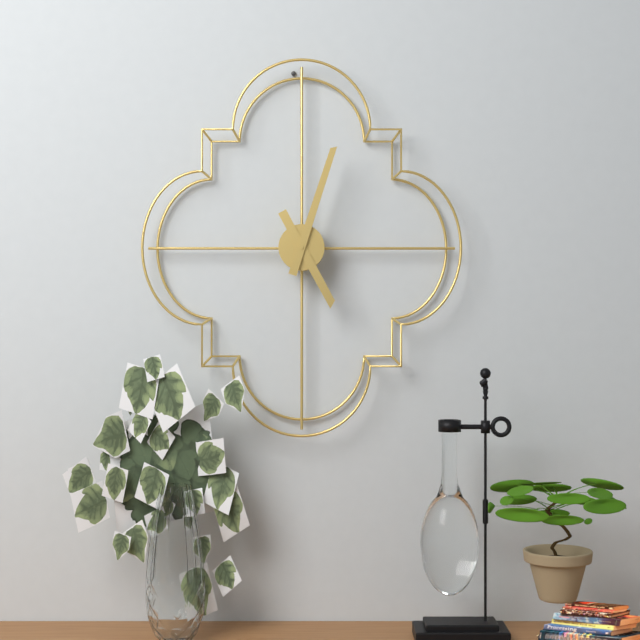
5:03
